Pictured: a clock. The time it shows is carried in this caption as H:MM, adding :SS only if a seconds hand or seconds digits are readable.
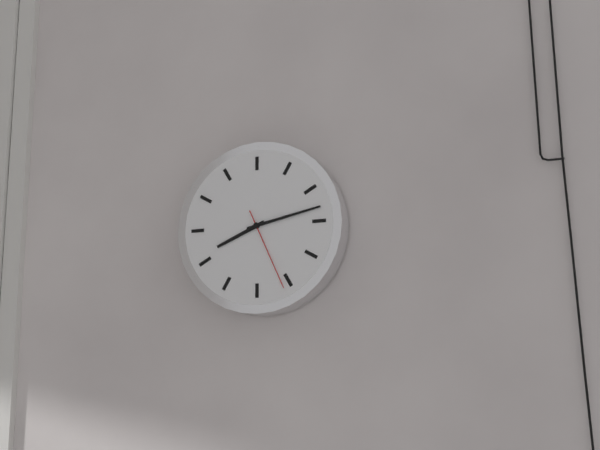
8:13:26
